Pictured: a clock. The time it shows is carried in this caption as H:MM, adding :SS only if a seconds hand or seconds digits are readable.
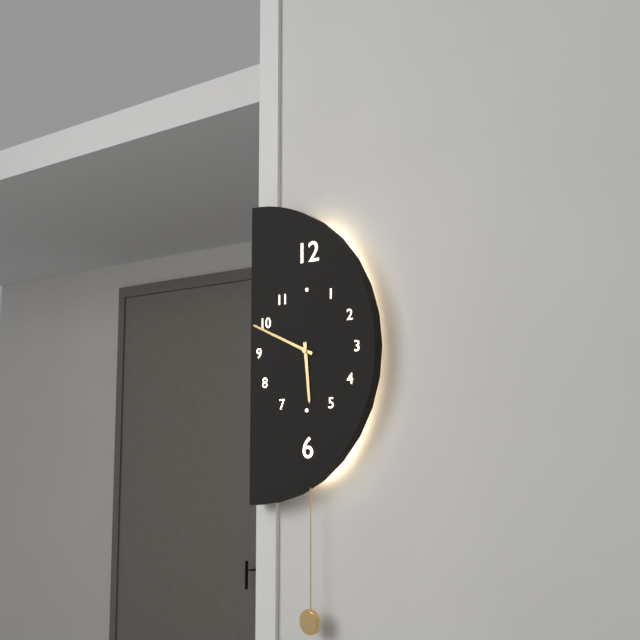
5:49
